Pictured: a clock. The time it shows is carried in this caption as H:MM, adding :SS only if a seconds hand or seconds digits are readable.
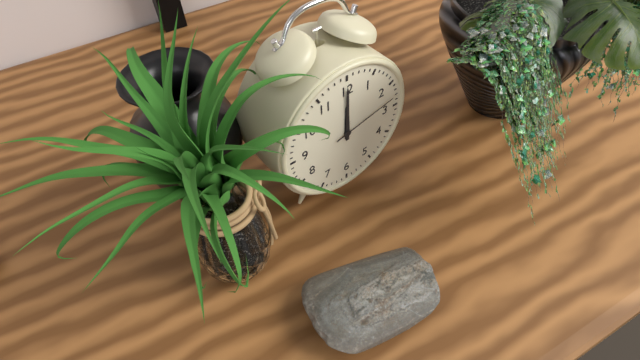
12:00:13
